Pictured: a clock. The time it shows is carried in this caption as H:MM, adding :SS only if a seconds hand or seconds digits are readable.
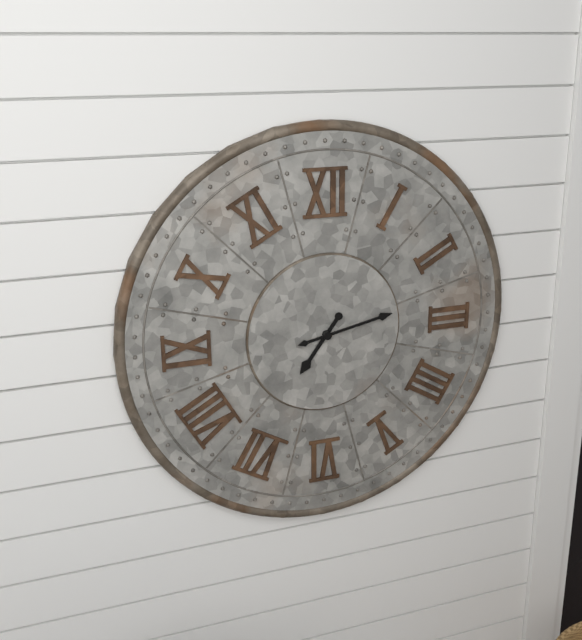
7:13
